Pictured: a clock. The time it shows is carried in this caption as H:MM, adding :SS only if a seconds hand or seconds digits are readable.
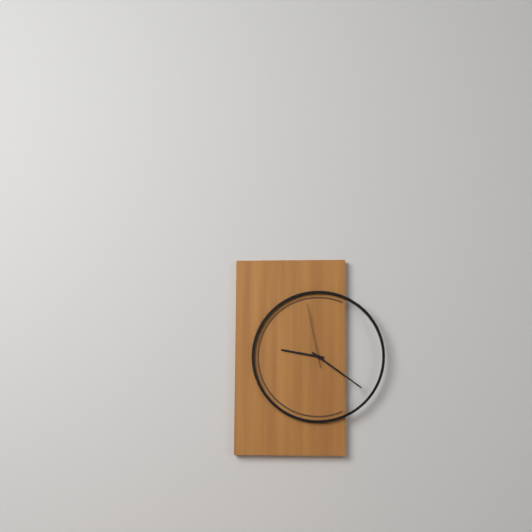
9:21:58
